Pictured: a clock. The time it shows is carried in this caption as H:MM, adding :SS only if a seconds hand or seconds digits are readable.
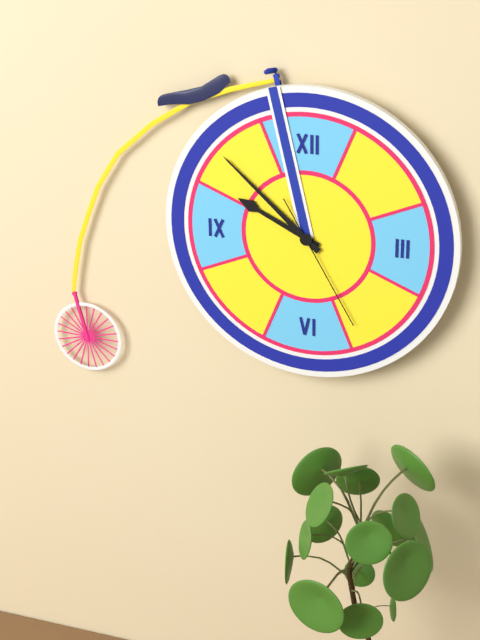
9:52:25
